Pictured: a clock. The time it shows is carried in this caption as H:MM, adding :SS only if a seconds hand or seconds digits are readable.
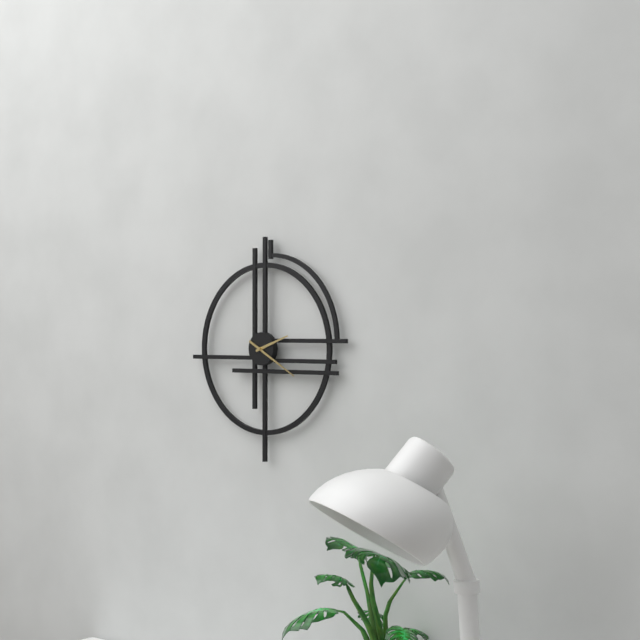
2:20
